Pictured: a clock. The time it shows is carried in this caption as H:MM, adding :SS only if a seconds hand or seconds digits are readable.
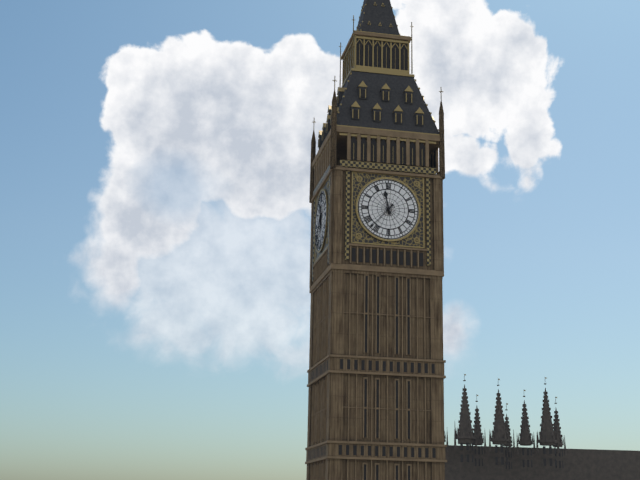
11:37
